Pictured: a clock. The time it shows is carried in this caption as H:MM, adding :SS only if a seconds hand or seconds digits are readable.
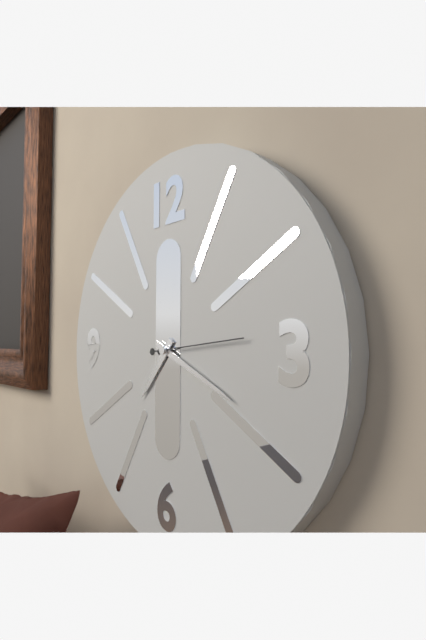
7:19:14
